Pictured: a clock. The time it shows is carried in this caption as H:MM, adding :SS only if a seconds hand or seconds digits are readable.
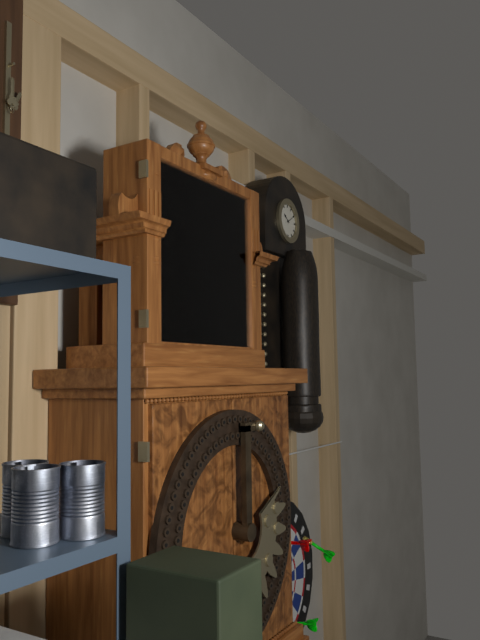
5:08
